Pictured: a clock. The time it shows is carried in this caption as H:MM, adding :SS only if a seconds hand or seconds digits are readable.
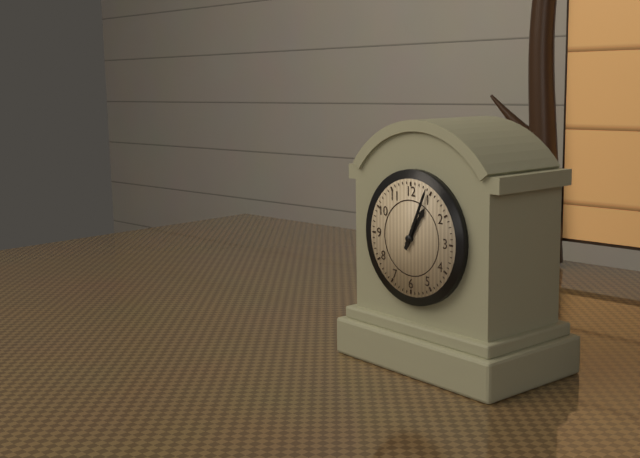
1:04
